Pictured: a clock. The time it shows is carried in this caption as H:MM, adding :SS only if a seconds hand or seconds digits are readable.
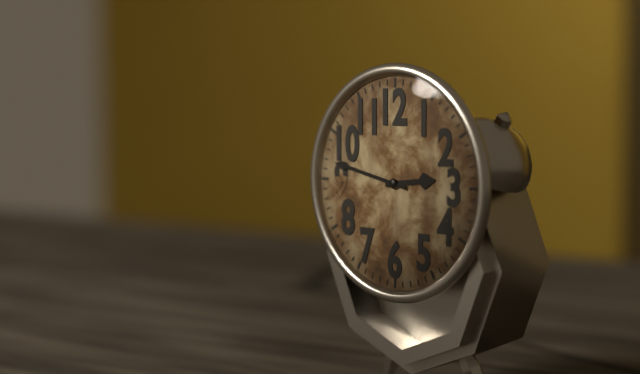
2:47
